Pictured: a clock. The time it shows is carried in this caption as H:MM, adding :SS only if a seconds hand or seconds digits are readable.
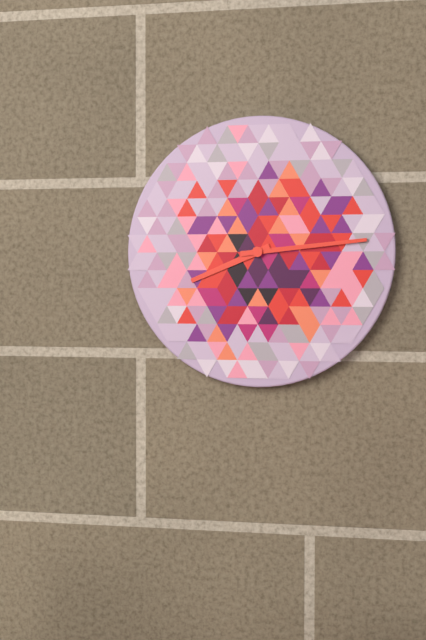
8:14
